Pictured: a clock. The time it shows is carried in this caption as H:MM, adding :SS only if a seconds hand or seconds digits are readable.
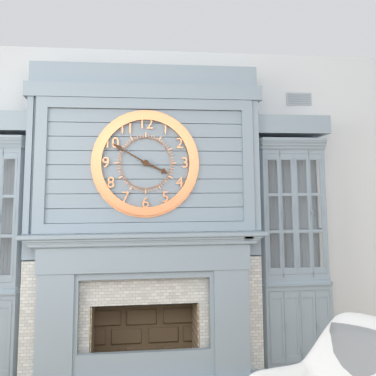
3:50
